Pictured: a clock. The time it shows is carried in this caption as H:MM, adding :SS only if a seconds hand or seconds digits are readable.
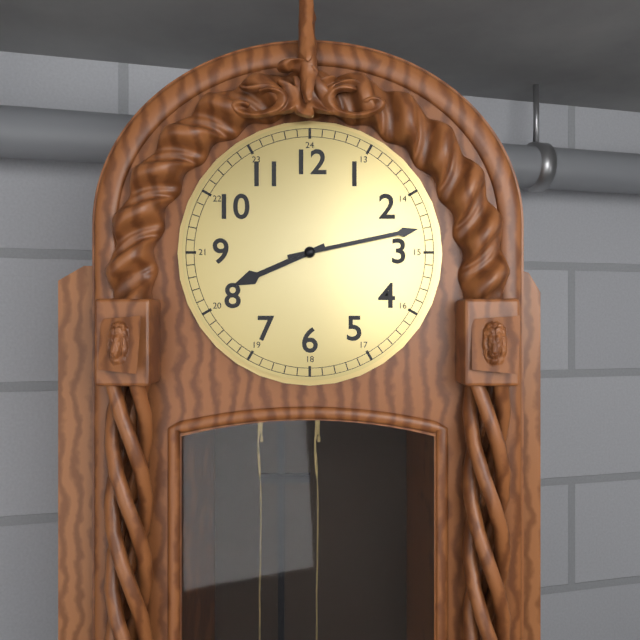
8:13
